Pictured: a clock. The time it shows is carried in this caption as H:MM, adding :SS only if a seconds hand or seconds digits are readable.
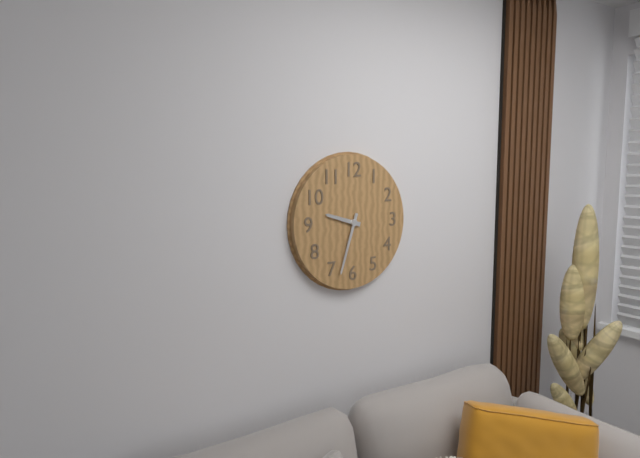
9:33
